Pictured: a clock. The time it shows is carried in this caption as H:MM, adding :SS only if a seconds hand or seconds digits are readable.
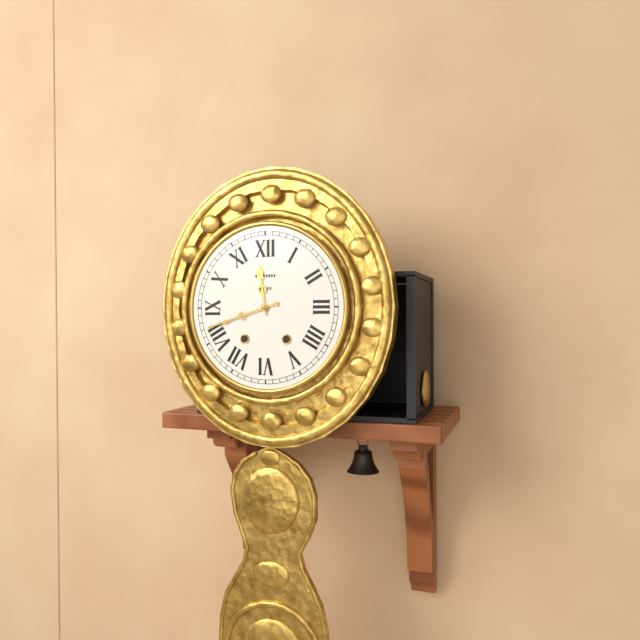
11:42
